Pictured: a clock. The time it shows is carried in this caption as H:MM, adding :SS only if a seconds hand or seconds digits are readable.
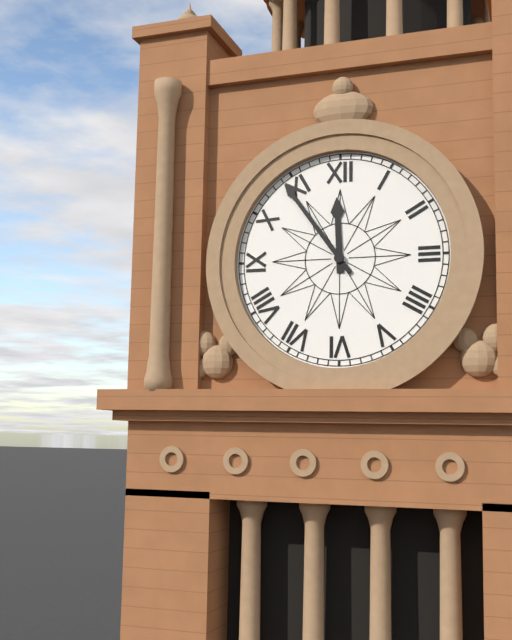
11:54
